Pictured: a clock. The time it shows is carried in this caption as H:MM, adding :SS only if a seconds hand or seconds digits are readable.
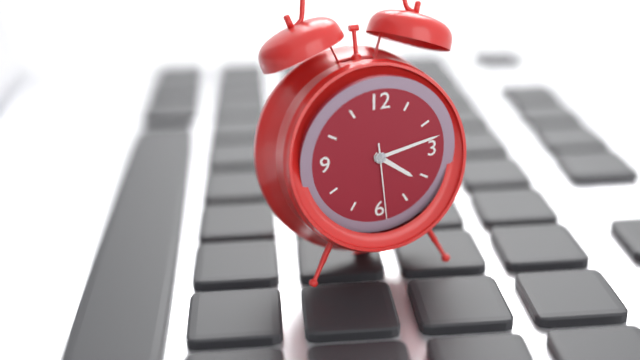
4:13:29
